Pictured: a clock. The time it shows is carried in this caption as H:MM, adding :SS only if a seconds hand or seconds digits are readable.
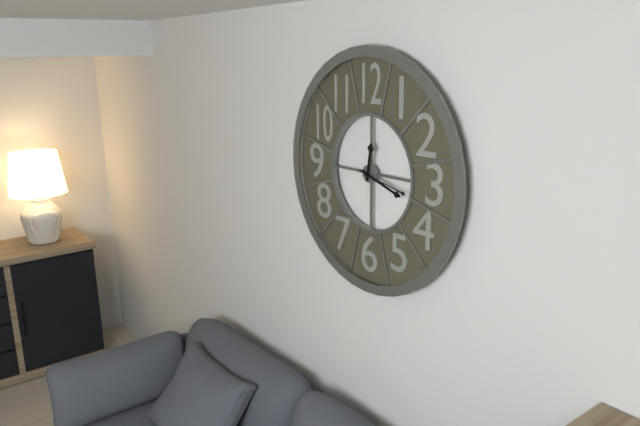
12:18
